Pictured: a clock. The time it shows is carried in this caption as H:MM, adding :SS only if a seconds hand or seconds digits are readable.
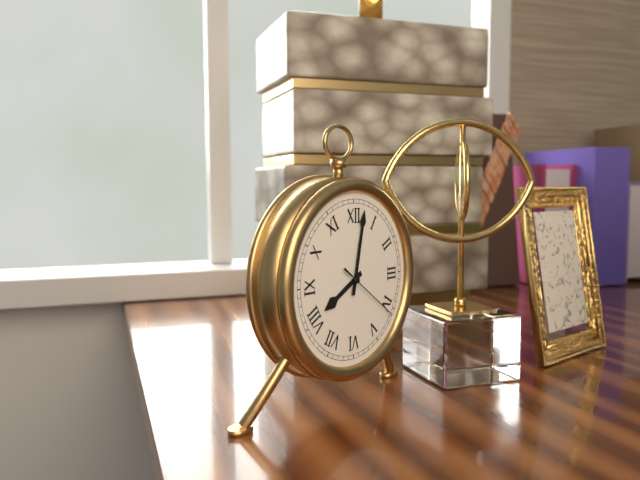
8:02:21
